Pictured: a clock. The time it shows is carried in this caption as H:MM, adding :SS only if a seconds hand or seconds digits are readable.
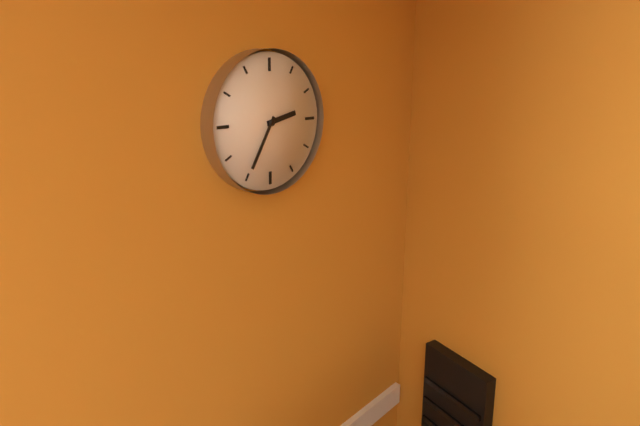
2:35
